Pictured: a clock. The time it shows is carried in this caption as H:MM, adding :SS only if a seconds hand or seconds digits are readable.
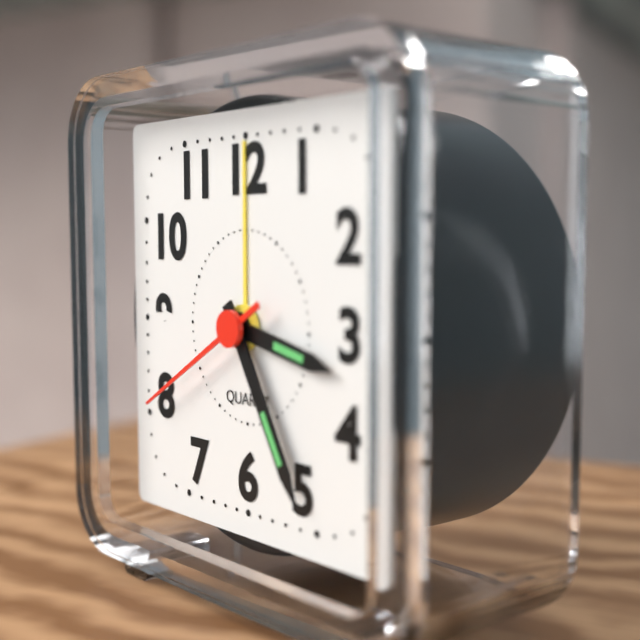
3:25:40
